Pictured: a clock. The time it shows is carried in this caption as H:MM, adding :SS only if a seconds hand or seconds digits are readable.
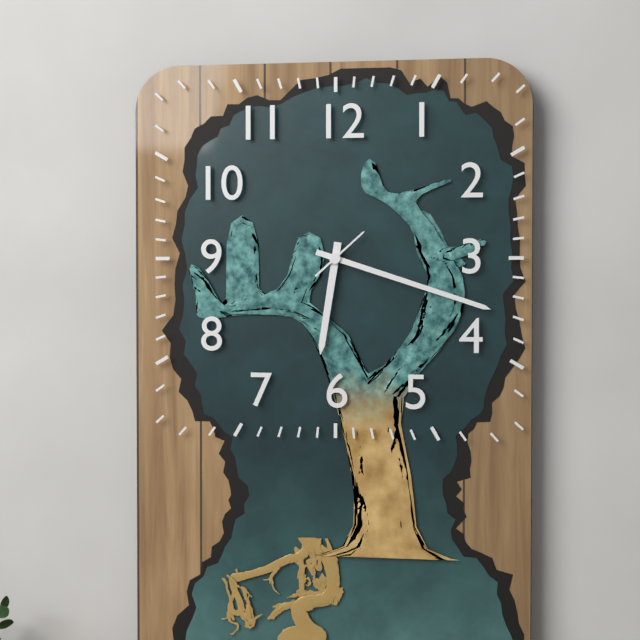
6:18
